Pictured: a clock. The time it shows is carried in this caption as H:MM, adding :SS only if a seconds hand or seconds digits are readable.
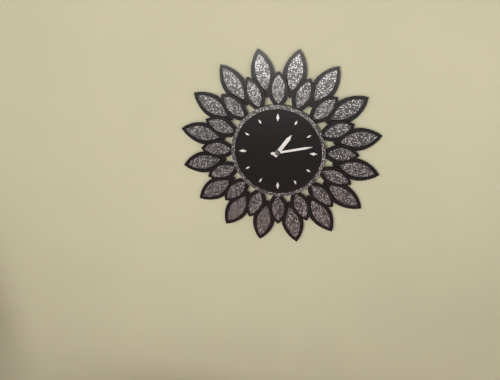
1:13
